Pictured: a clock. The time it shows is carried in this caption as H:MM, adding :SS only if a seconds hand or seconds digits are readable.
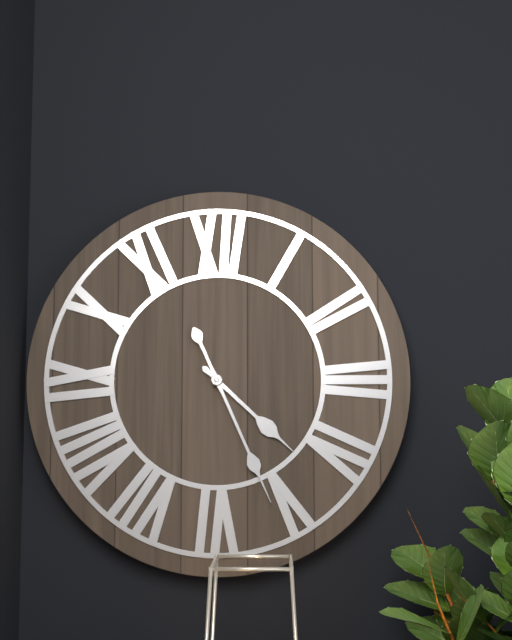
4:26
